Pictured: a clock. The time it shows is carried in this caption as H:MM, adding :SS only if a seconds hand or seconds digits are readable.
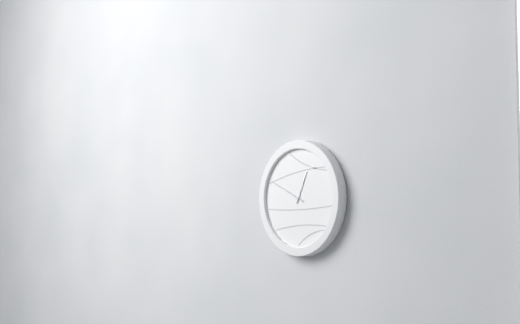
12:49
